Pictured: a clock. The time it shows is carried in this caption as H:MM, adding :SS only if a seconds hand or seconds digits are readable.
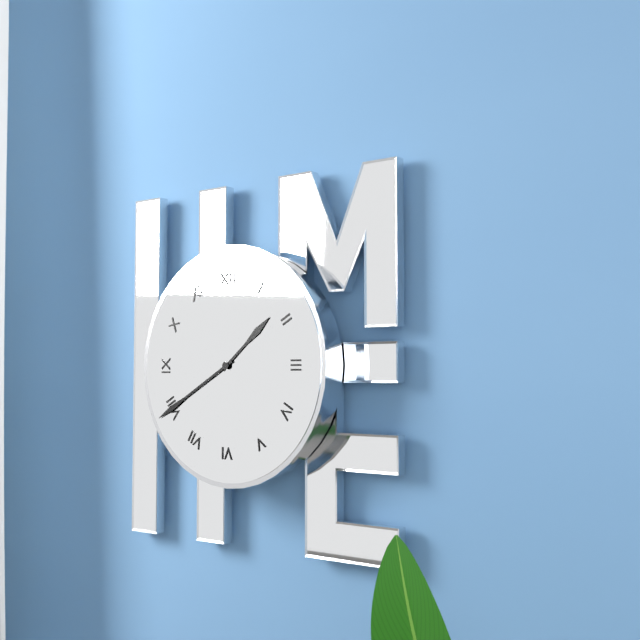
1:40
